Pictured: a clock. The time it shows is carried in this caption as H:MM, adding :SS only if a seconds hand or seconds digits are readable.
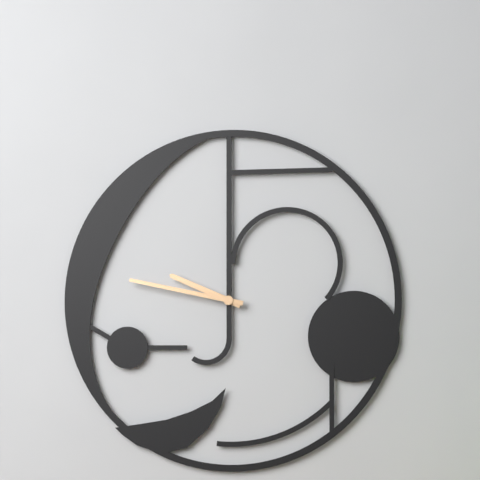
9:47
